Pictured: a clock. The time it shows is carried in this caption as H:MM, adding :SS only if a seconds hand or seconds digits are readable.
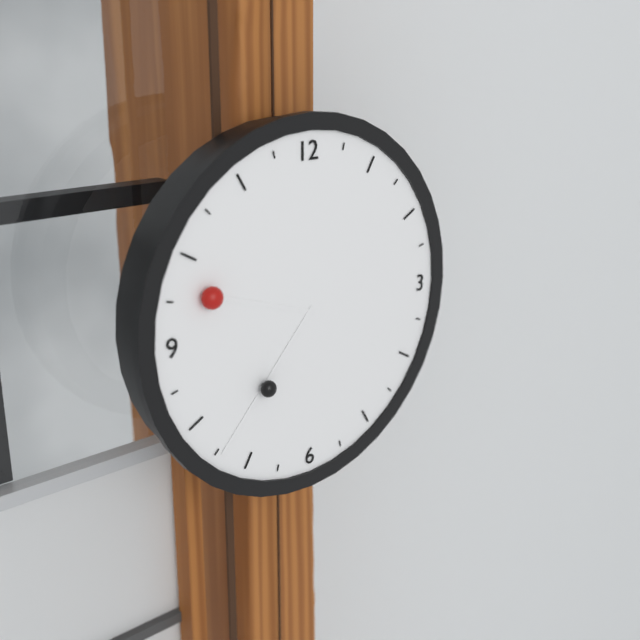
9:37
